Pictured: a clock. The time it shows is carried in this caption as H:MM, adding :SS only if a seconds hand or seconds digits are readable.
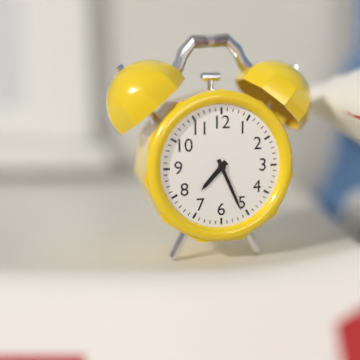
7:26
